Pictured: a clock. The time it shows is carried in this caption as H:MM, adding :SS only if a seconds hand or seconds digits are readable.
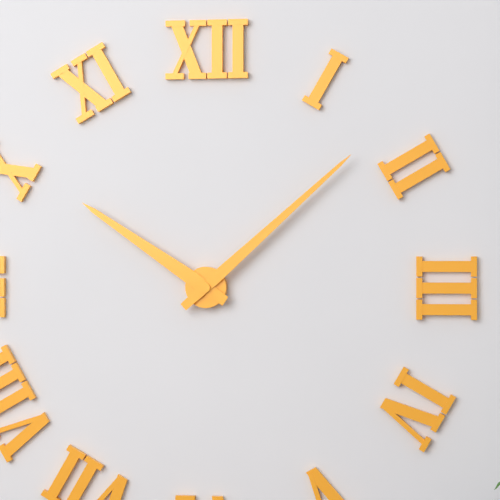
10:08
